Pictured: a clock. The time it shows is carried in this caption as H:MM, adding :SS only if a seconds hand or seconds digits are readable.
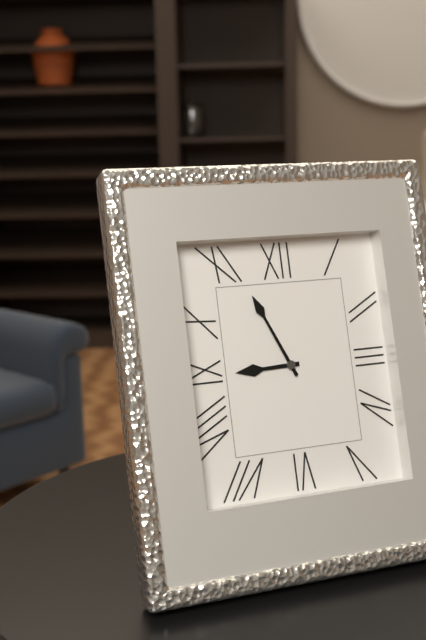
8:56
